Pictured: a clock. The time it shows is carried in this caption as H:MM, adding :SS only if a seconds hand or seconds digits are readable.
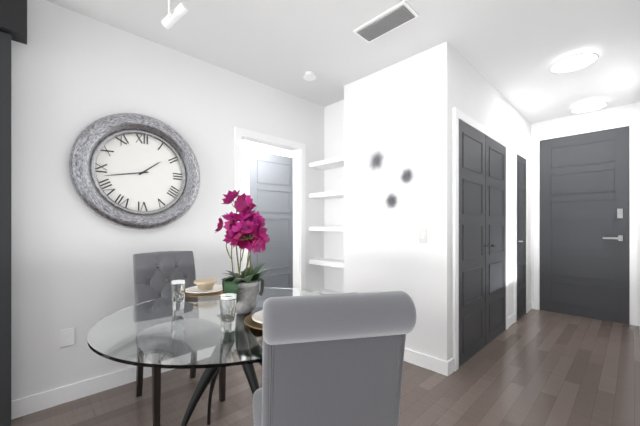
1:43
